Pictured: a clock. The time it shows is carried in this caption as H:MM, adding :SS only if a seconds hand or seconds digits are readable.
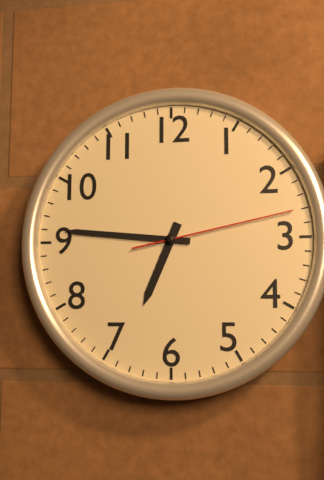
6:46:13
